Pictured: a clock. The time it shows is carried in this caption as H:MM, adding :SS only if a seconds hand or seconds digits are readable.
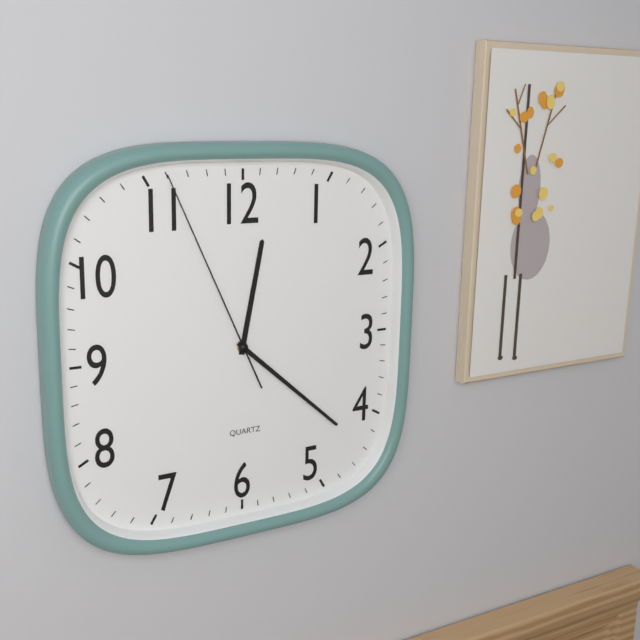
12:22:56
